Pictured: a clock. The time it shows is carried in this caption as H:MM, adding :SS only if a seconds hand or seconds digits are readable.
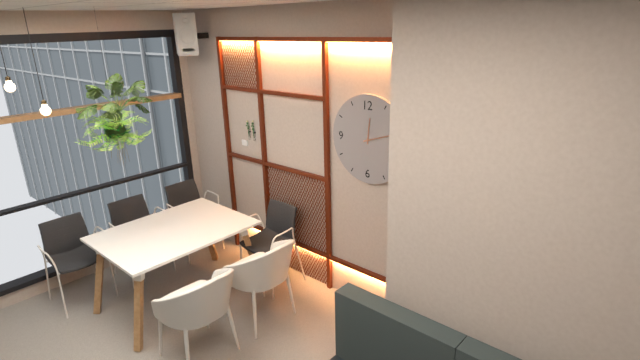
12:12
